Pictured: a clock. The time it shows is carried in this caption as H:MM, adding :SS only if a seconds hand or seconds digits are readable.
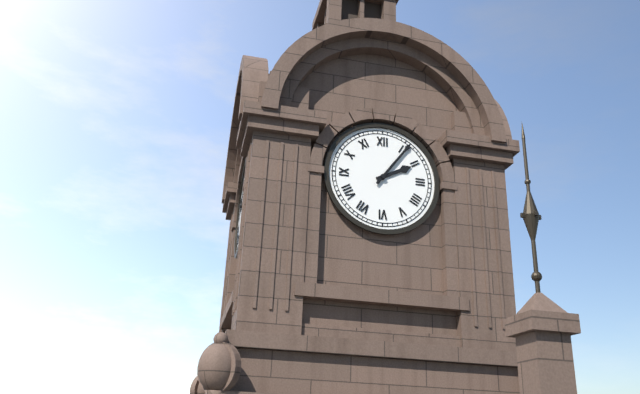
2:06
